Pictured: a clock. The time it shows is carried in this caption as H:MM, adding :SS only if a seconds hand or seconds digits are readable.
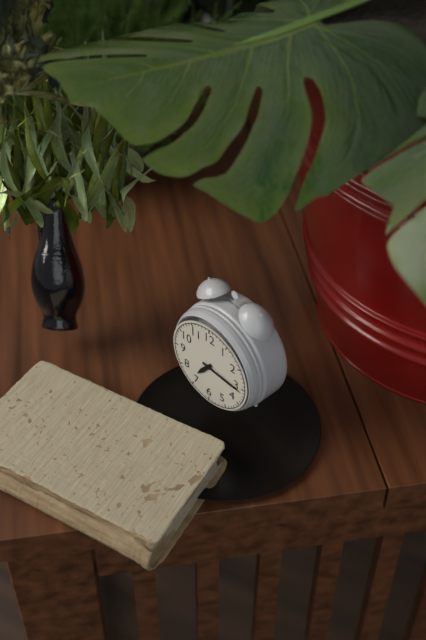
7:16
